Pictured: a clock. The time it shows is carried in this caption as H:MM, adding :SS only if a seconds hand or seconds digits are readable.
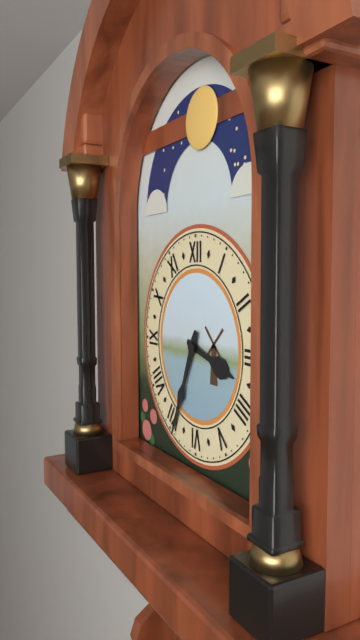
3:34
